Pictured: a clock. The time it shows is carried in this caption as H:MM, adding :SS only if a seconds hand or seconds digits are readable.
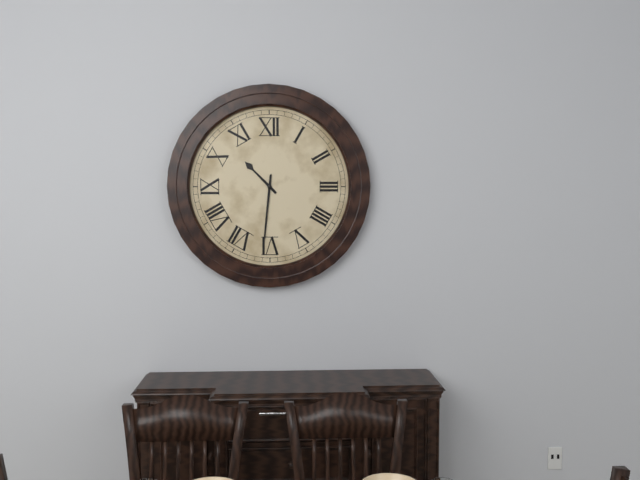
10:31
